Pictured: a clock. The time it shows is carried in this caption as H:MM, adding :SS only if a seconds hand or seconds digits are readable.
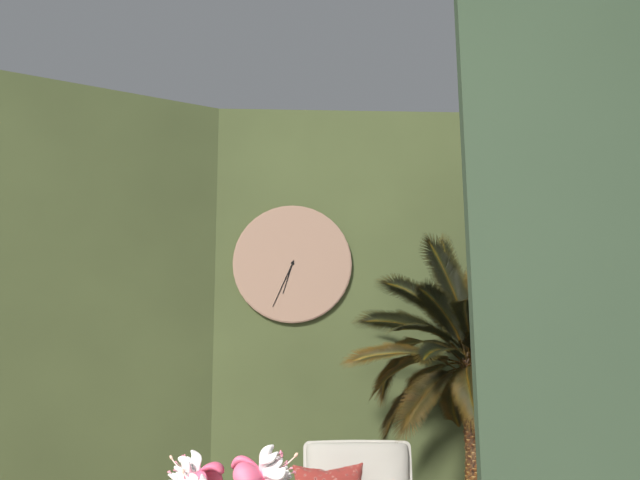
6:34
